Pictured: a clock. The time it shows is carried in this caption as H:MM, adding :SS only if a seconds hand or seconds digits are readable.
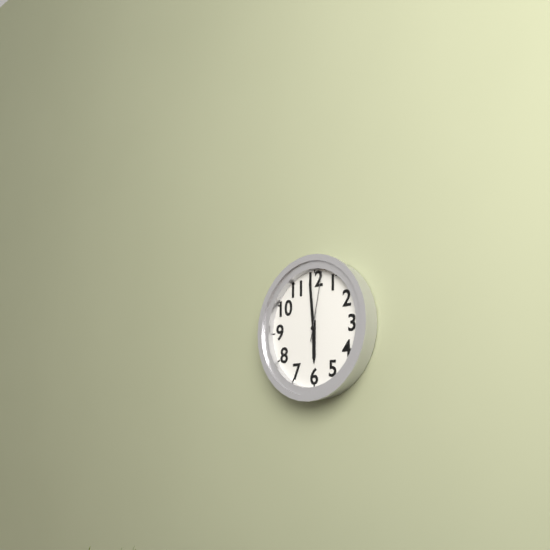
5:59:02
